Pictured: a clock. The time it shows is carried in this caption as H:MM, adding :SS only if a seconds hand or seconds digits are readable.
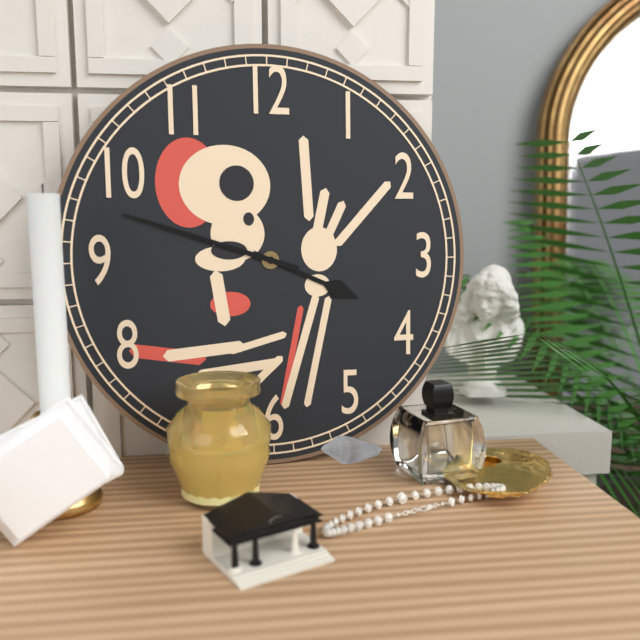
3:48
